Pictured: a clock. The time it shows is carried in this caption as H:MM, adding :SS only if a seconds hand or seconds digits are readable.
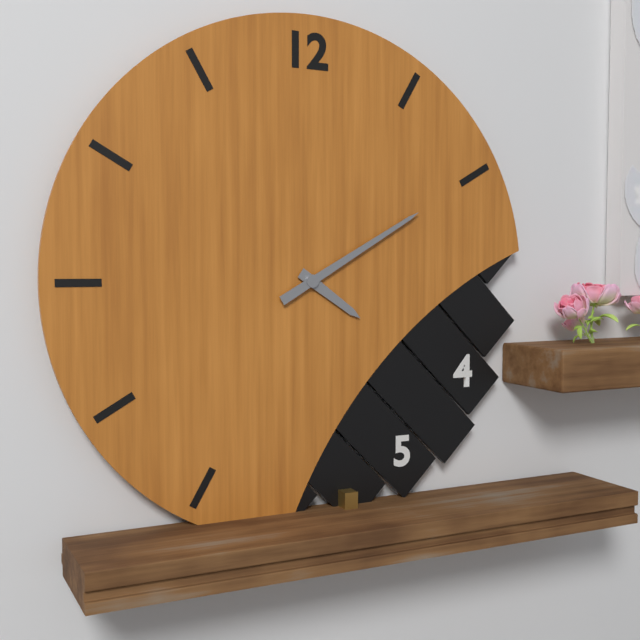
4:10
